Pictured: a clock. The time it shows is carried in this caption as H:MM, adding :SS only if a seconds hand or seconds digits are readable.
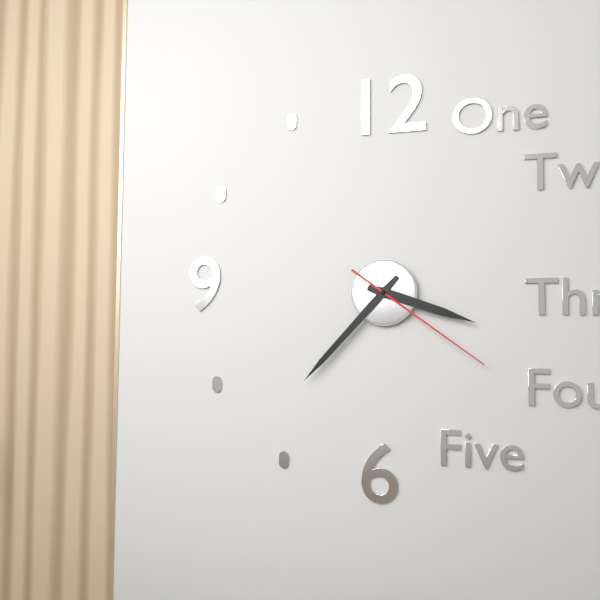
3:37:21
